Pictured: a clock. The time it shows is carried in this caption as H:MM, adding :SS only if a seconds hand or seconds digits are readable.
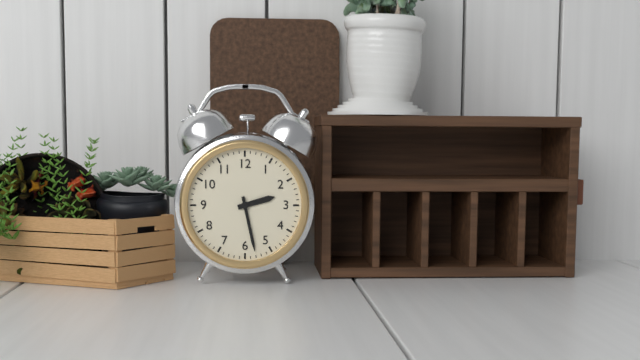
2:28
